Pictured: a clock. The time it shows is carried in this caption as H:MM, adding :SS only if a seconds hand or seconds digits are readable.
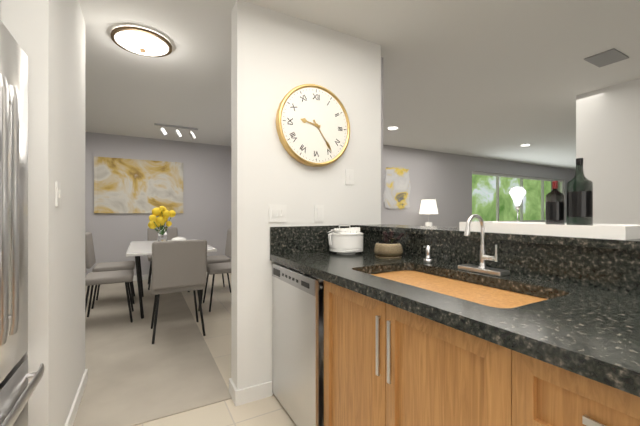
9:24
